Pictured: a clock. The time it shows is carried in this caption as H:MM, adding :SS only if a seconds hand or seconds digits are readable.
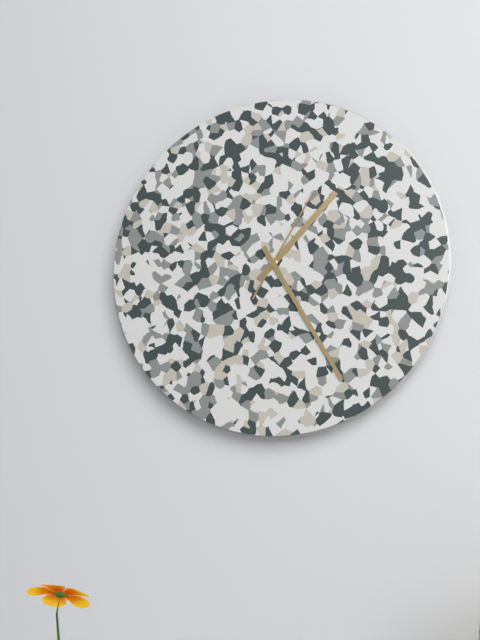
1:25:05
